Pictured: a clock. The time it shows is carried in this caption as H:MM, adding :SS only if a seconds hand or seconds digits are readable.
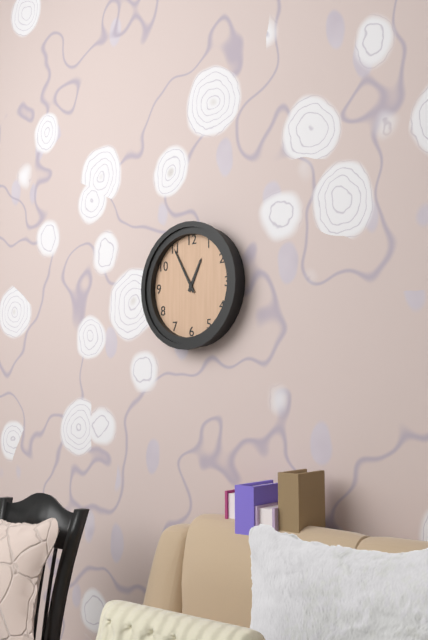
12:55
